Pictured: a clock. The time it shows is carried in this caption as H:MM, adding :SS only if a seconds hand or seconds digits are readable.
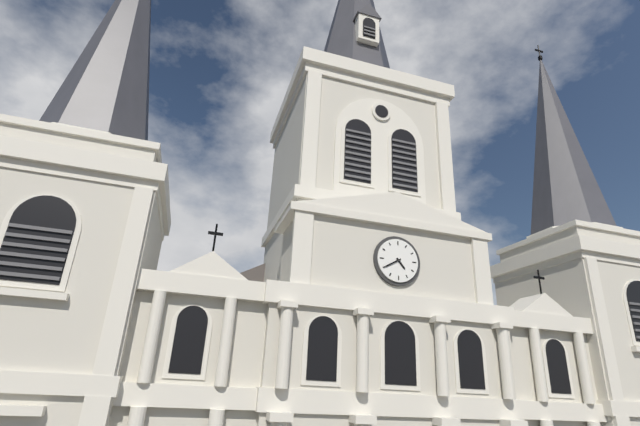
4:40
